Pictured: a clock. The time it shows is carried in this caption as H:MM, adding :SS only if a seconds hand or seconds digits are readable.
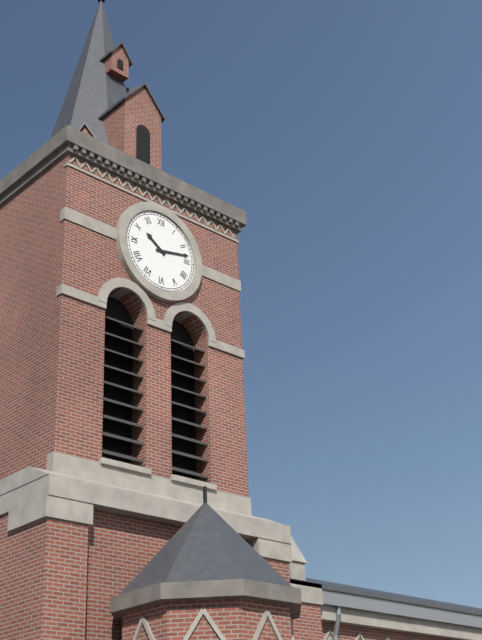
10:13
